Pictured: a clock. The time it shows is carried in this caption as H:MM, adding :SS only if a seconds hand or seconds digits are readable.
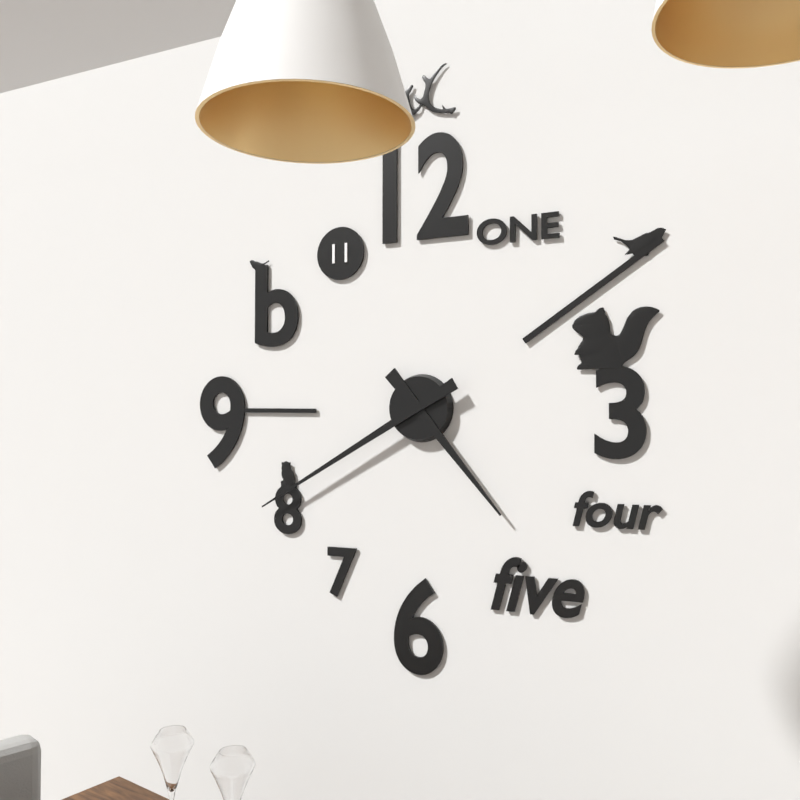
4:40
